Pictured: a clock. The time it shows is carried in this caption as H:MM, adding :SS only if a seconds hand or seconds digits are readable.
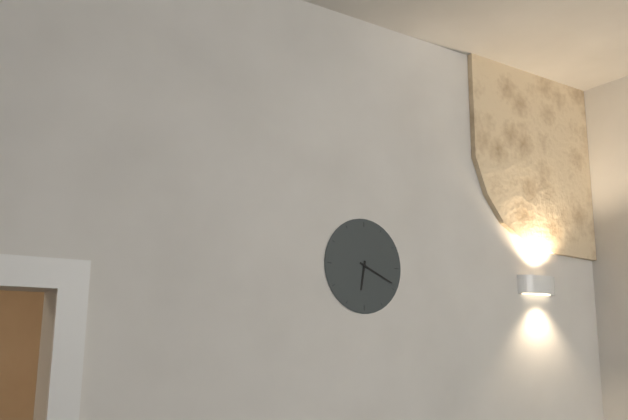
6:19
